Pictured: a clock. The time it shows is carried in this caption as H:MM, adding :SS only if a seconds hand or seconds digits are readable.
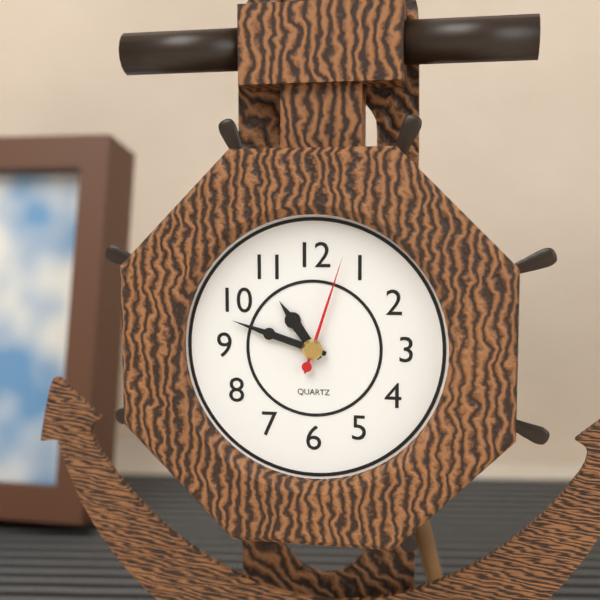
10:48:03
